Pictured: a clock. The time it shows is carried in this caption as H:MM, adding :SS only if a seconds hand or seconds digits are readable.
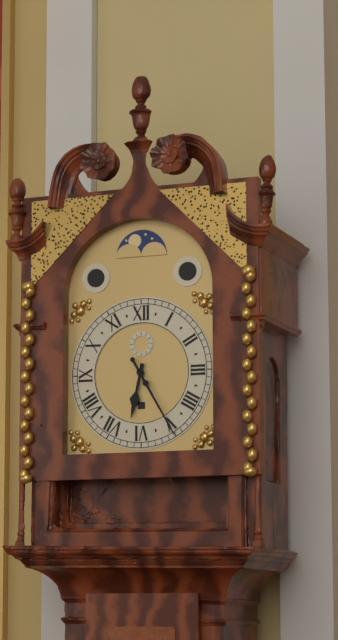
6:25
